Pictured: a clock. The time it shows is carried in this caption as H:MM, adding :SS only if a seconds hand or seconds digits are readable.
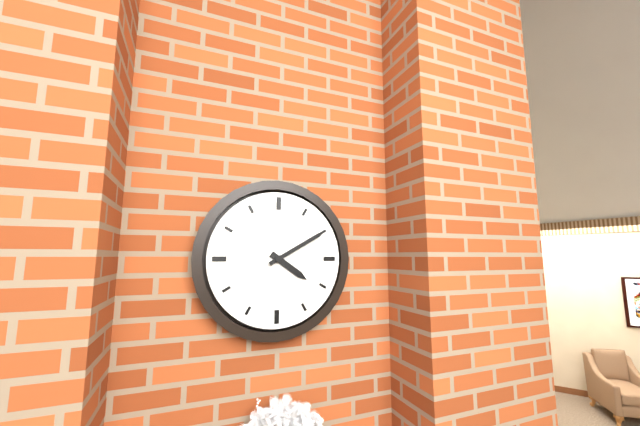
4:10
